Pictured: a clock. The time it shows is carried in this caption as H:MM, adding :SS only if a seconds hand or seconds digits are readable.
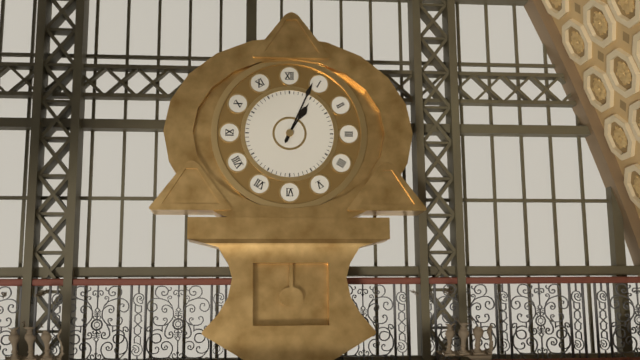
1:04
